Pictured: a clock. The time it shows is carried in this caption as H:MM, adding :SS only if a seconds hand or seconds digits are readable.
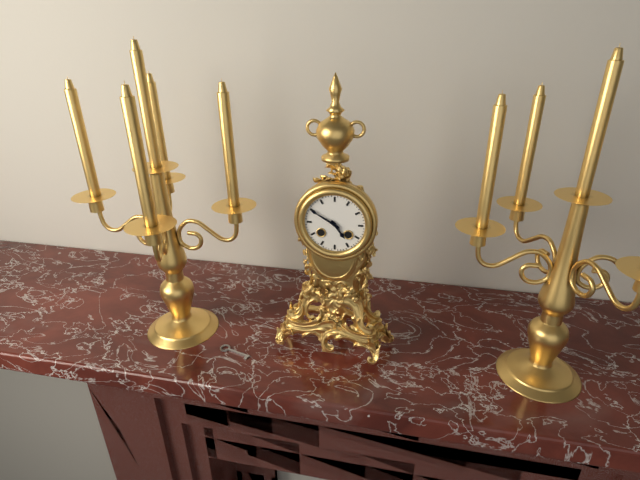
4:50
